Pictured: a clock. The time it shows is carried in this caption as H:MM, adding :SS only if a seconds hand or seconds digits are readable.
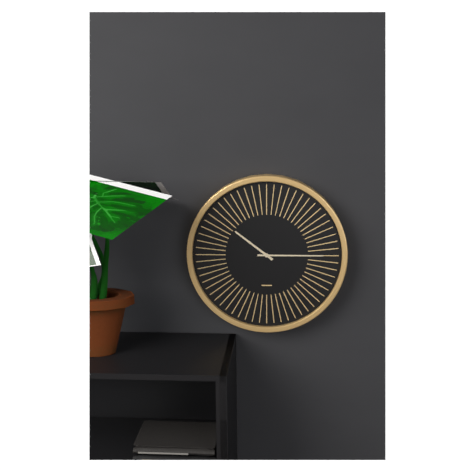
10:15
